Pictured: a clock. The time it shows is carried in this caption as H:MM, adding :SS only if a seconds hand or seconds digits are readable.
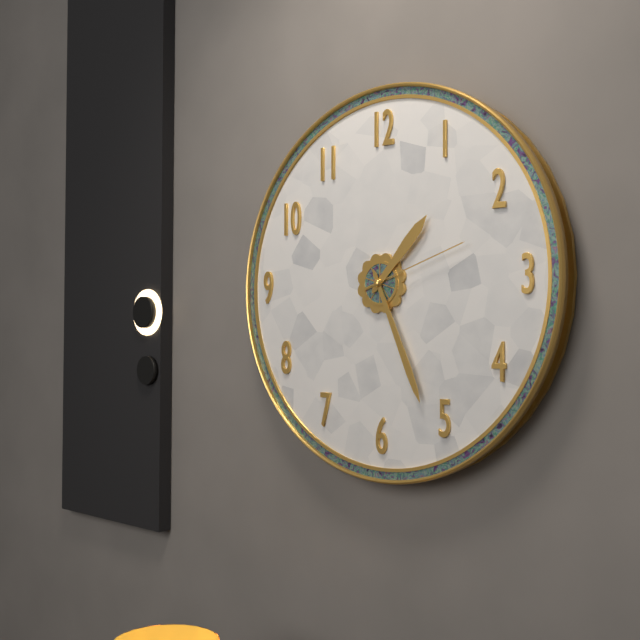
1:26:12
